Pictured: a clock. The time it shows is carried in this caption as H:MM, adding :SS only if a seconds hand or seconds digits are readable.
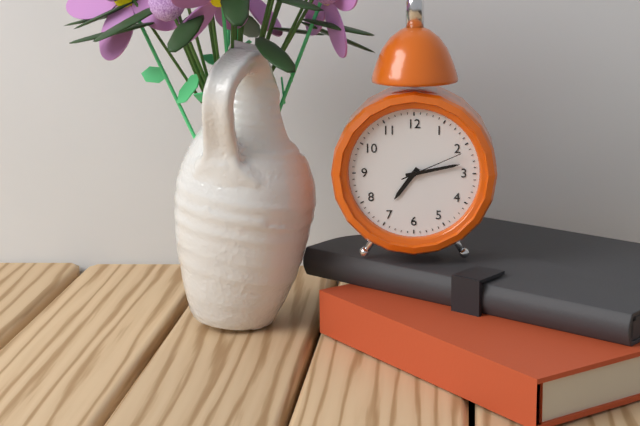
7:13:11
